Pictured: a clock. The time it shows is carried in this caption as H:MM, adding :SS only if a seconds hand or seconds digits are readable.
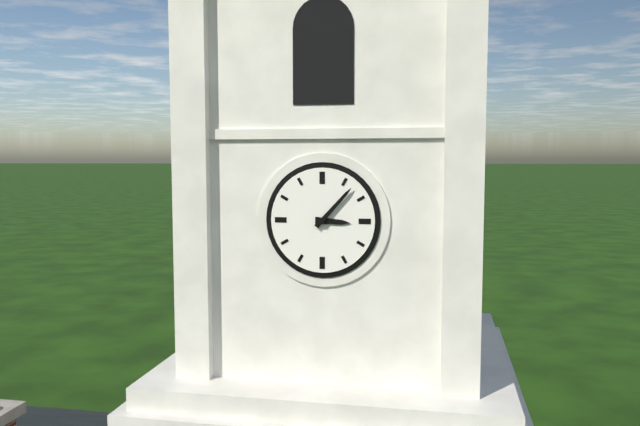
3:07
